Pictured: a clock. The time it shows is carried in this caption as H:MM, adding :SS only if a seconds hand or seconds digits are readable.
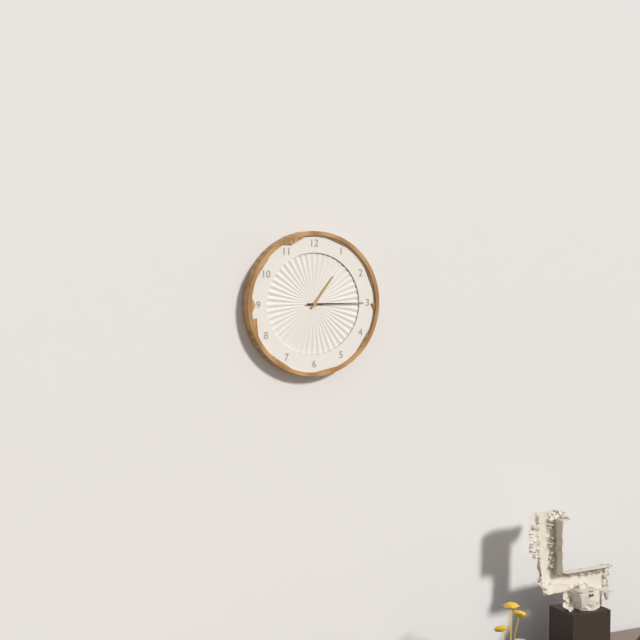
1:15
